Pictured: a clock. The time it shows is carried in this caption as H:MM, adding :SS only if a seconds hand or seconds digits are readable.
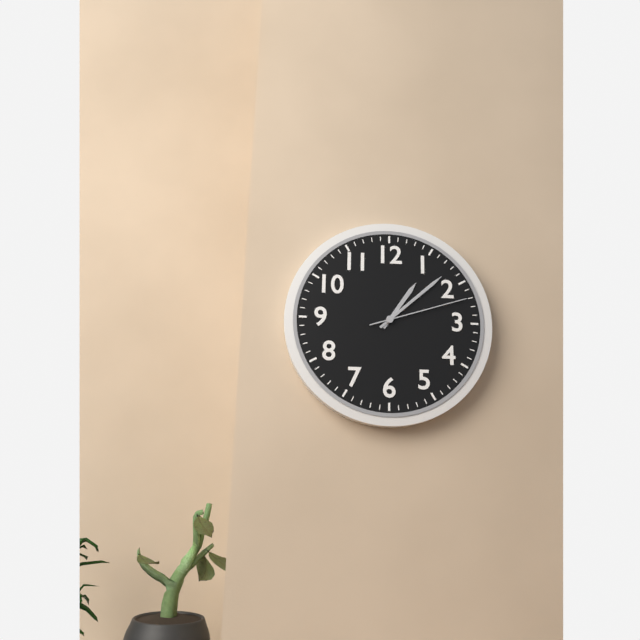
1:08:12
